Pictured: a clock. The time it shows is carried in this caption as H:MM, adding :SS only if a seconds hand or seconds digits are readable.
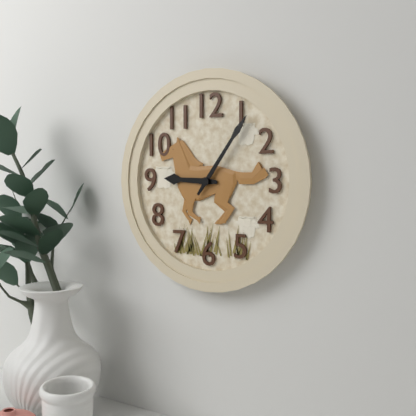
9:06
